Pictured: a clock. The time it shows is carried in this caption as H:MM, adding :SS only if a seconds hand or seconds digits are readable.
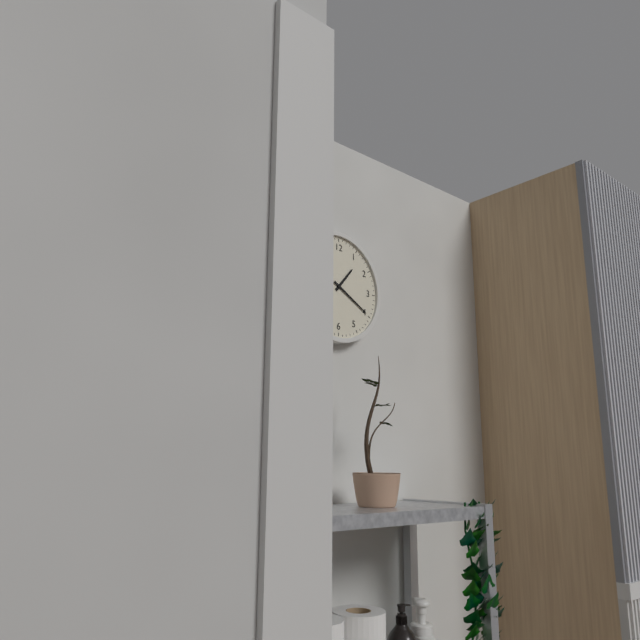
1:20
